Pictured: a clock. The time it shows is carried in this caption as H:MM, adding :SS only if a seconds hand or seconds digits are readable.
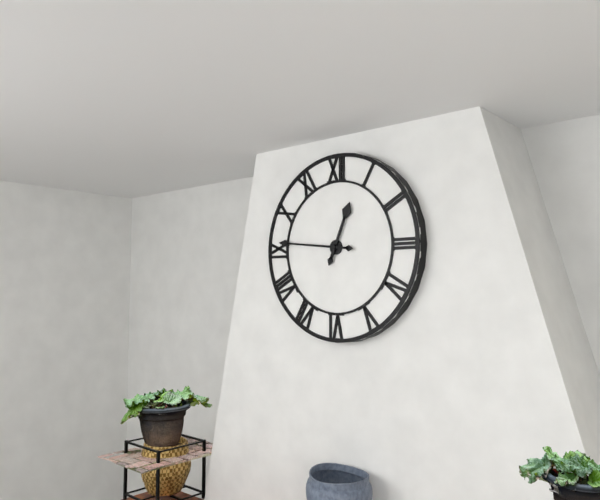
12:46
